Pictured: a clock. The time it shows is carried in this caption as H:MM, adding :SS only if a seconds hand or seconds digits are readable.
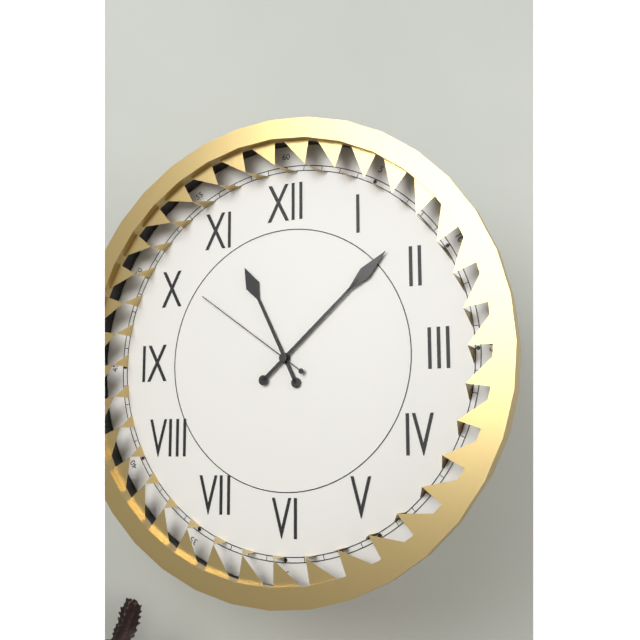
11:08:51
